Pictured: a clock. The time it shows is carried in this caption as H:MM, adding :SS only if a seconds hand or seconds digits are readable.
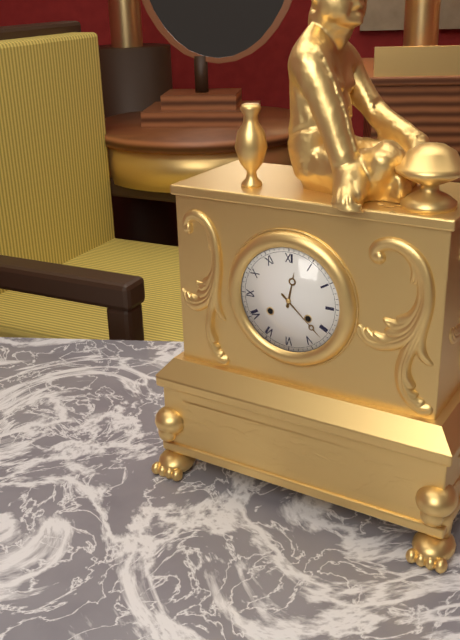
12:22
